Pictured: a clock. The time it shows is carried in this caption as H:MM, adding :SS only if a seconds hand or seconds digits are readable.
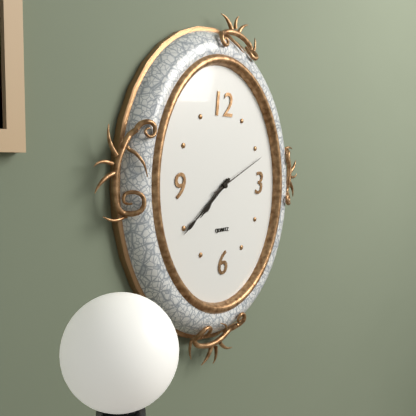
7:39:11
